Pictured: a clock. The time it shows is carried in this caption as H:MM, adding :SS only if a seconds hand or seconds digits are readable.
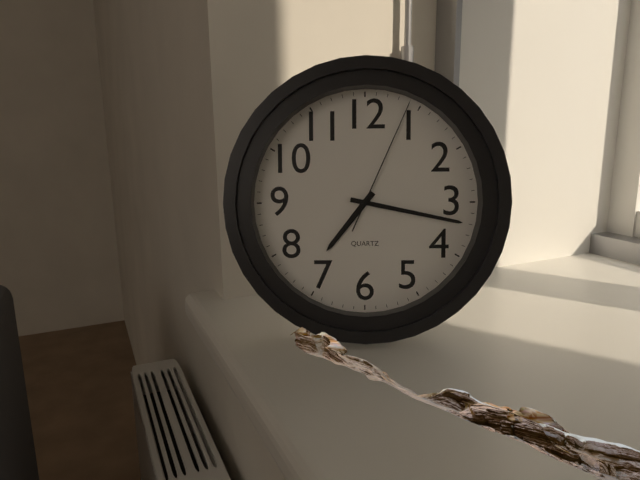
7:17:04
